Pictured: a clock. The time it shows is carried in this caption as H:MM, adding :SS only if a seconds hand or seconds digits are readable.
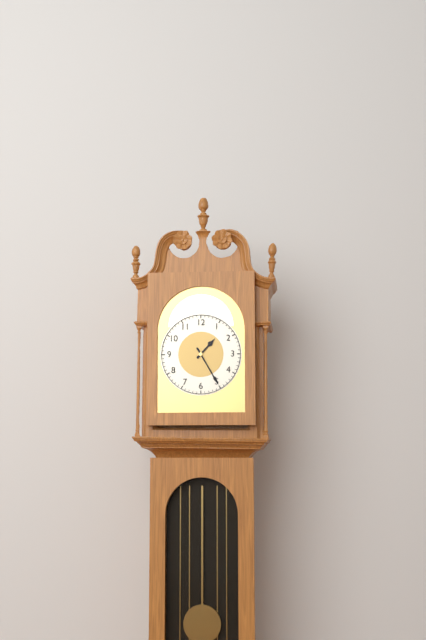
1:25
